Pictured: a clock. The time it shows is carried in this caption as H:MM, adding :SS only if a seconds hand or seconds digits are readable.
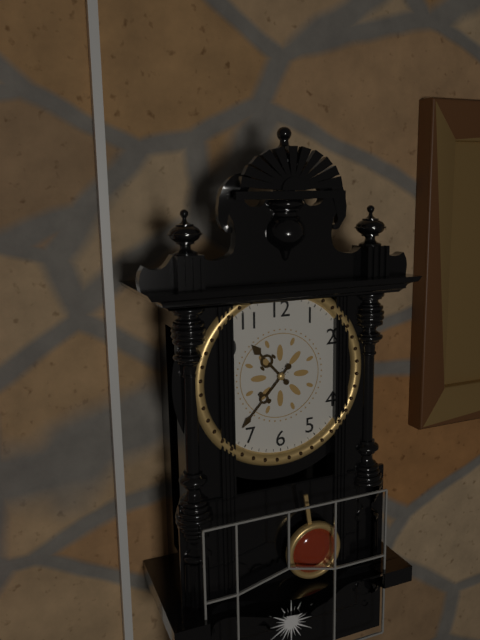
10:37
